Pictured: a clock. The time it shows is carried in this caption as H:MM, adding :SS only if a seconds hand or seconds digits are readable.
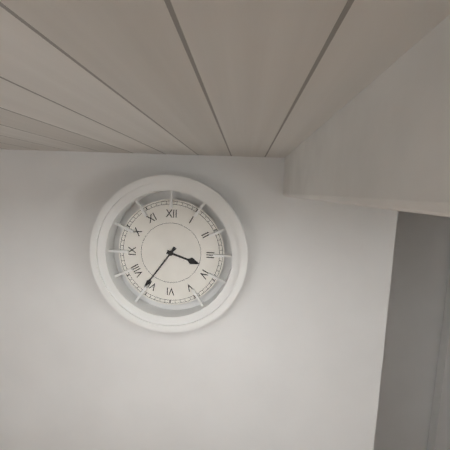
3:36
